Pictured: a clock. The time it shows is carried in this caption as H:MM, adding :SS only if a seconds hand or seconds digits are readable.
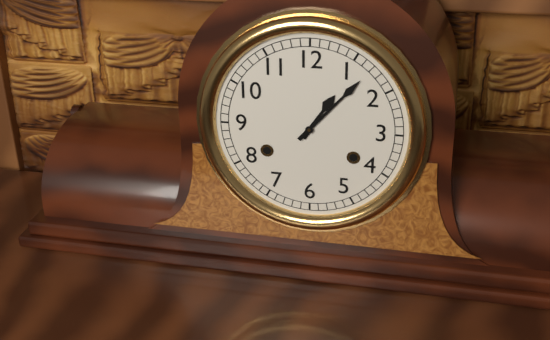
1:07
